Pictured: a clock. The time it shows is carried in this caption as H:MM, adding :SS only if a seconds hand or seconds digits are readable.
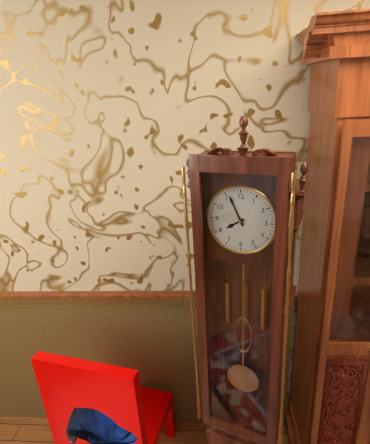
7:56
